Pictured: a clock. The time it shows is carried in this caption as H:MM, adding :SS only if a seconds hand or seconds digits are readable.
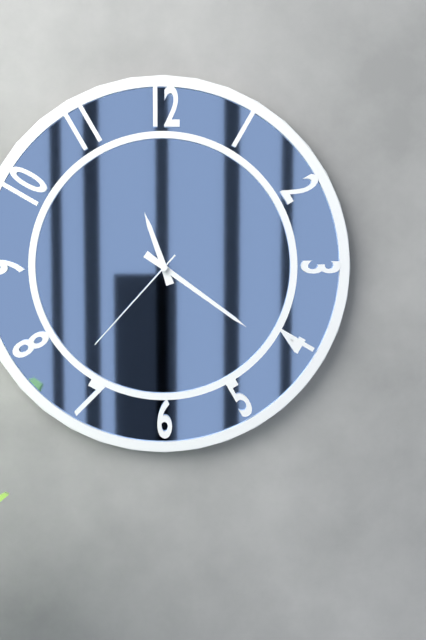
11:21:37
